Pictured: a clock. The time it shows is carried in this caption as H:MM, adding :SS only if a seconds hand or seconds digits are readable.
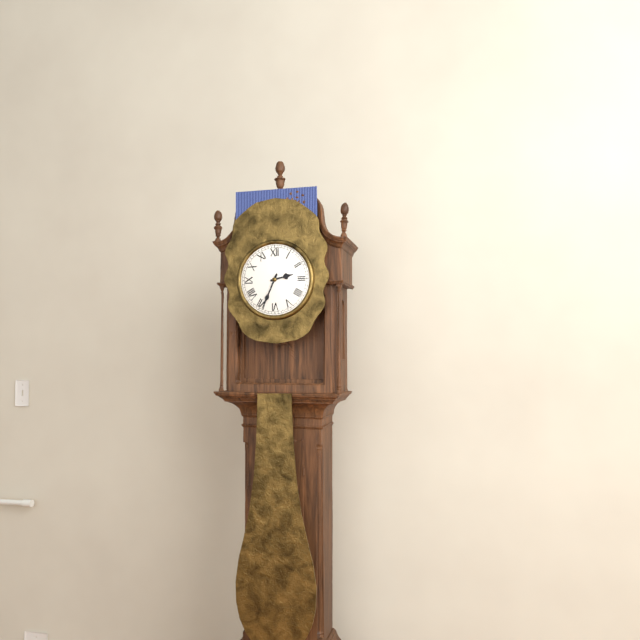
2:34
